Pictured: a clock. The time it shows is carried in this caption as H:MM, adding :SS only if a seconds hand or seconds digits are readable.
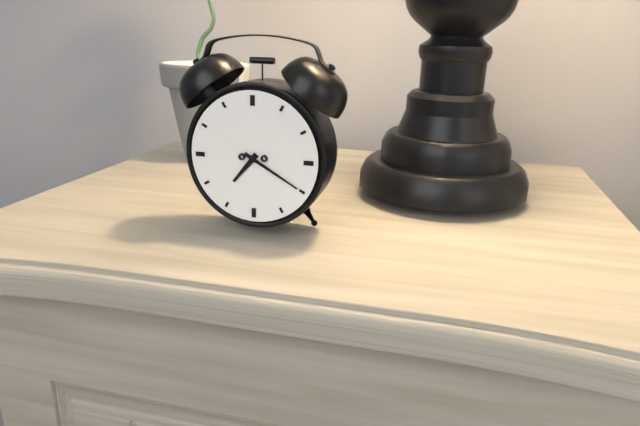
7:20
